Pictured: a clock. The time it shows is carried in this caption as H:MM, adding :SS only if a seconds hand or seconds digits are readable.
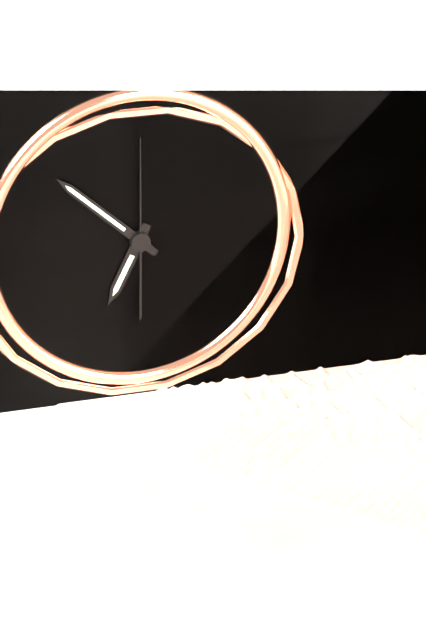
6:52:00
